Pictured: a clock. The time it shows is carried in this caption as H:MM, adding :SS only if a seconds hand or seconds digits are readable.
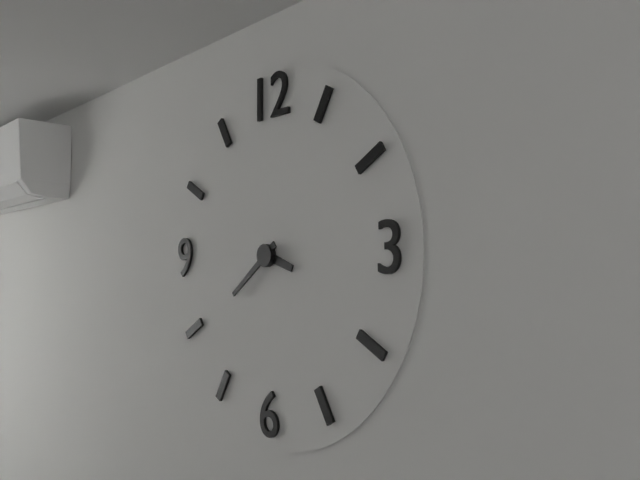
3:39
